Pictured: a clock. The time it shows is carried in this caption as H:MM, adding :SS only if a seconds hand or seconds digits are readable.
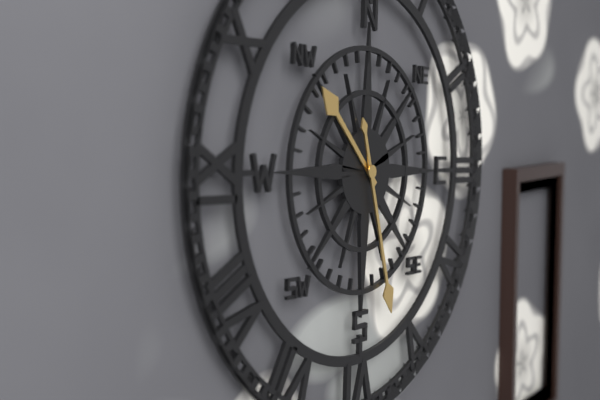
10:27
